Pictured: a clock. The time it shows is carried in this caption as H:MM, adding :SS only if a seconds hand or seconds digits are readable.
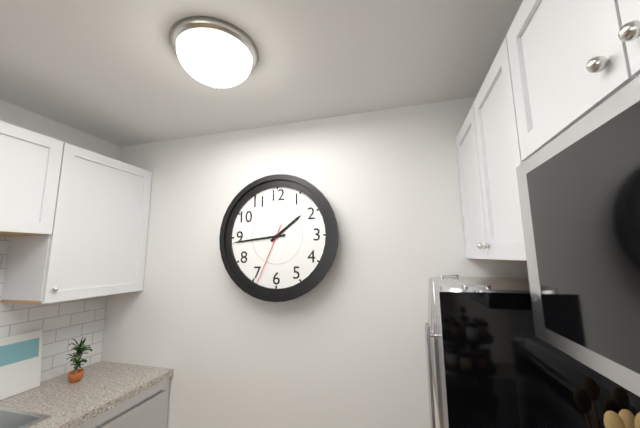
1:44:34
